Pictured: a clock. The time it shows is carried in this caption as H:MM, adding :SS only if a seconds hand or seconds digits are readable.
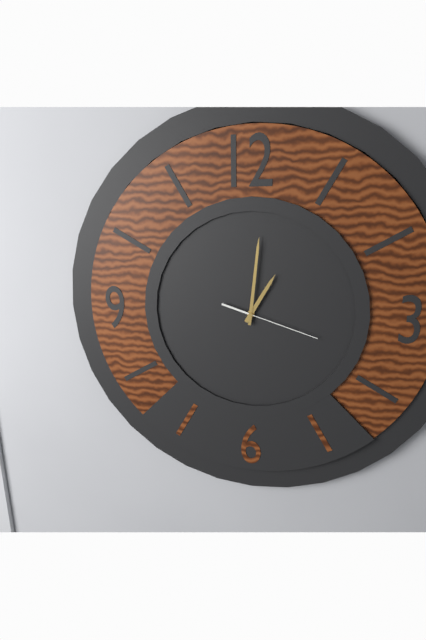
1:01:18
